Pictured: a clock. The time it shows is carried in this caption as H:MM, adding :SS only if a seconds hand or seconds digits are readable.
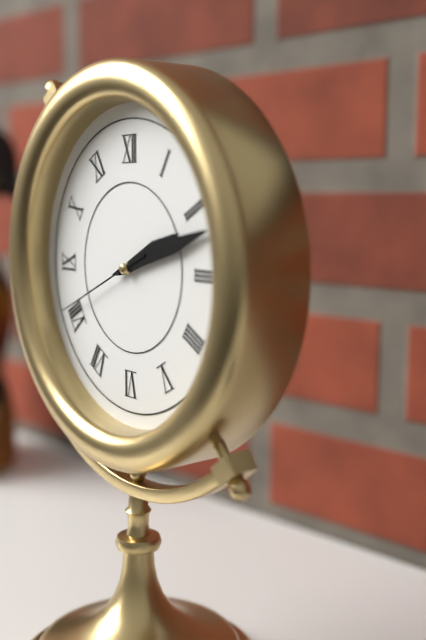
2:12:41
